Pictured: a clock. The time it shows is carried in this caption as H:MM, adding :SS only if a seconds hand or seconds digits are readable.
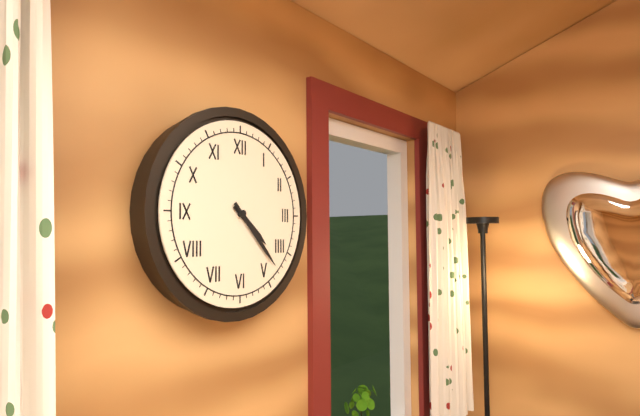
4:23
